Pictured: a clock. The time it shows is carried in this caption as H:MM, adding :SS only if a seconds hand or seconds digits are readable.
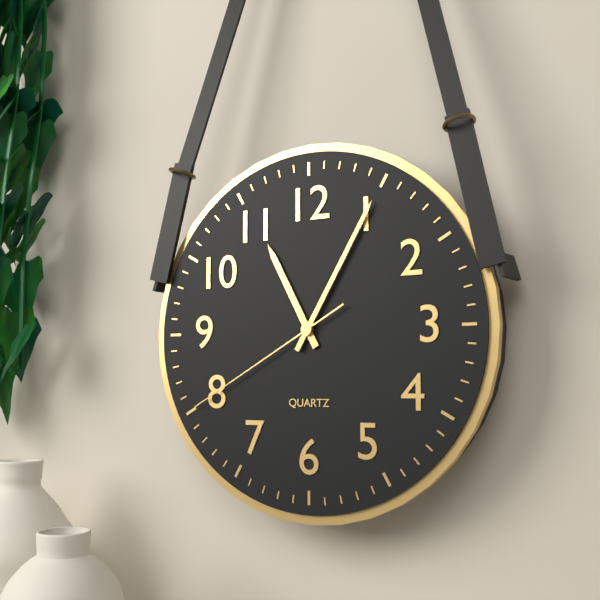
11:05:40
